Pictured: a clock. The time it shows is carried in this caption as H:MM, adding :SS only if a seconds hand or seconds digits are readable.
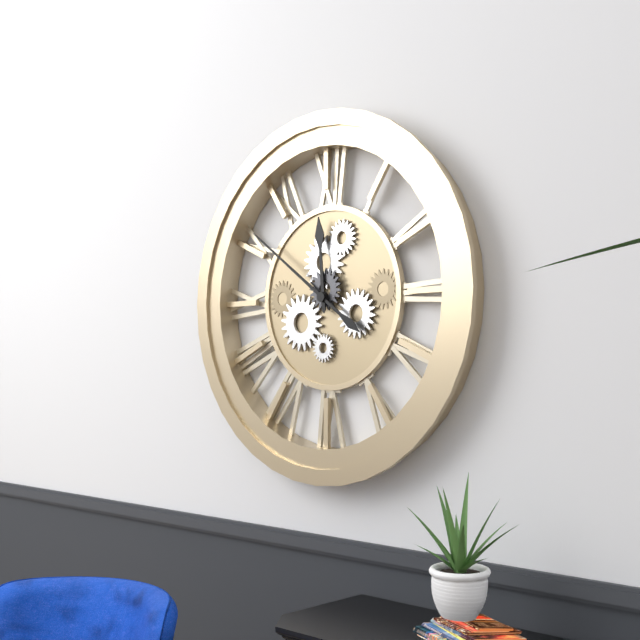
11:51
